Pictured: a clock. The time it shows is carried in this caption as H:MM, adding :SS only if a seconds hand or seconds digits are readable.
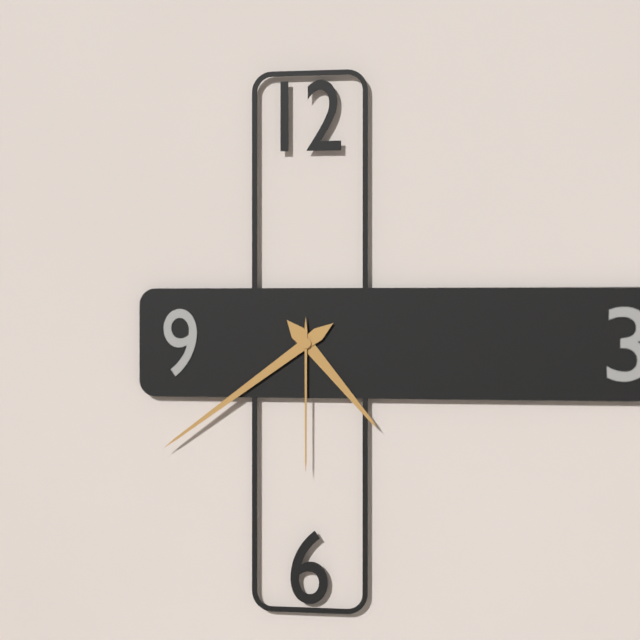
4:39:30
